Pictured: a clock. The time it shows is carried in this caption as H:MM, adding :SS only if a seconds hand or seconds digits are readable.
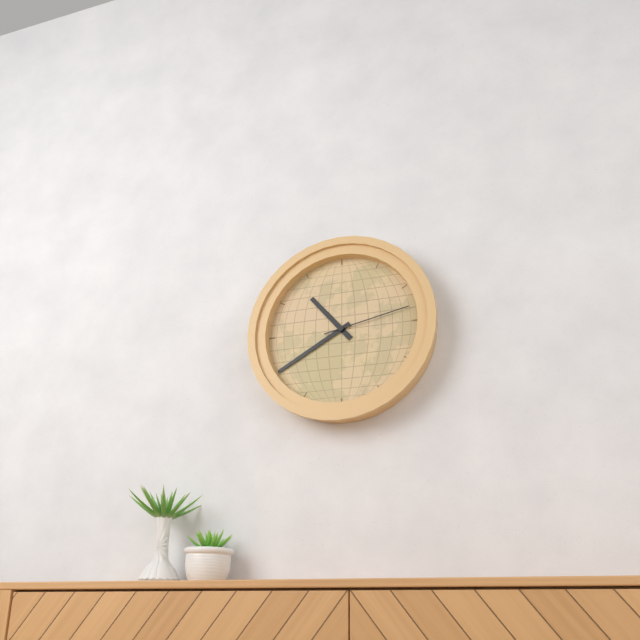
10:40:13
